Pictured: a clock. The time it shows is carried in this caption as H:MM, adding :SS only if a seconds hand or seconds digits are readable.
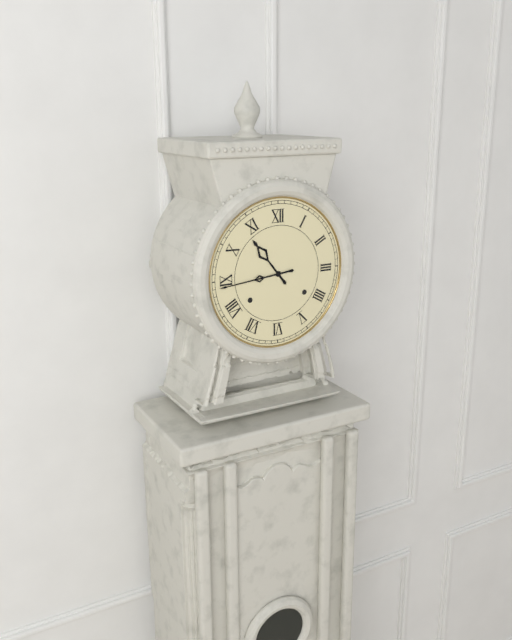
10:44
